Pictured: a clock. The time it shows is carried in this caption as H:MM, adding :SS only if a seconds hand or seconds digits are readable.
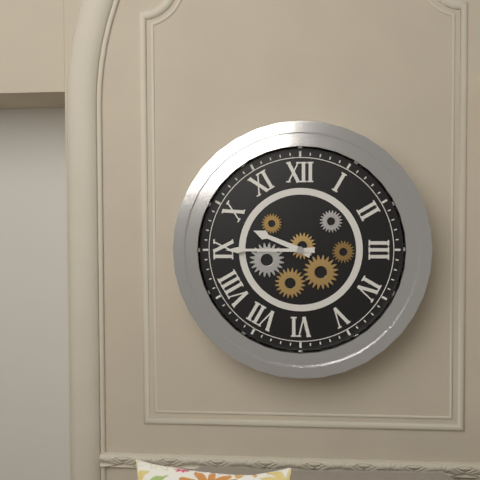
9:45
